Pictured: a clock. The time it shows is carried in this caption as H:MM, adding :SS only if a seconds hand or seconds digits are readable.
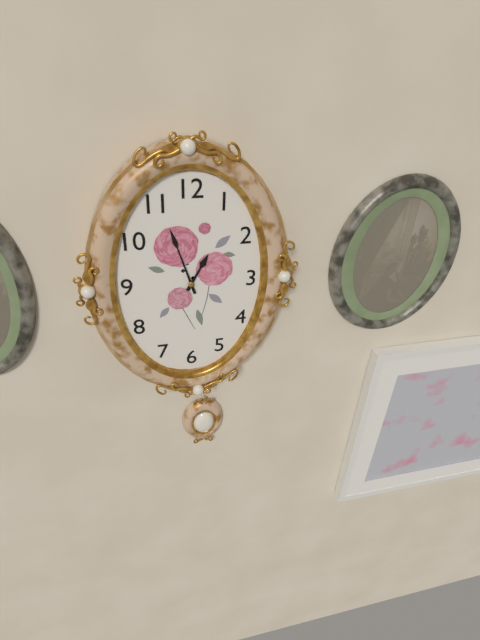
12:57
